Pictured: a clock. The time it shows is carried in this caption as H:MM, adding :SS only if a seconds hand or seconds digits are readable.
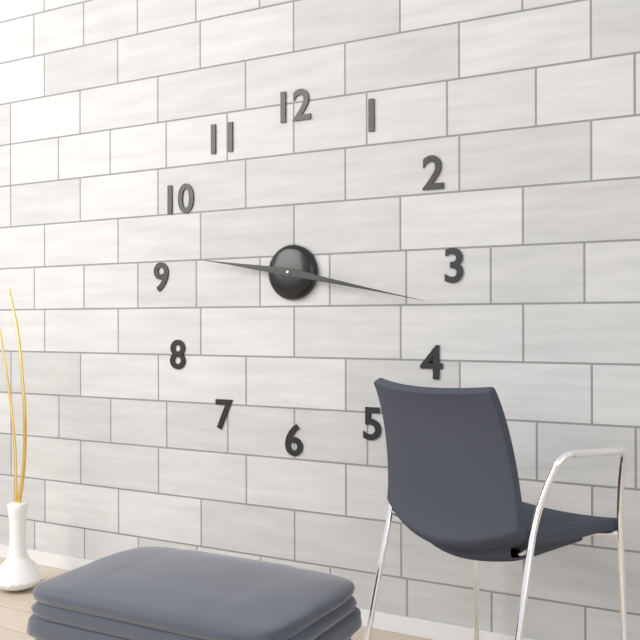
9:17
